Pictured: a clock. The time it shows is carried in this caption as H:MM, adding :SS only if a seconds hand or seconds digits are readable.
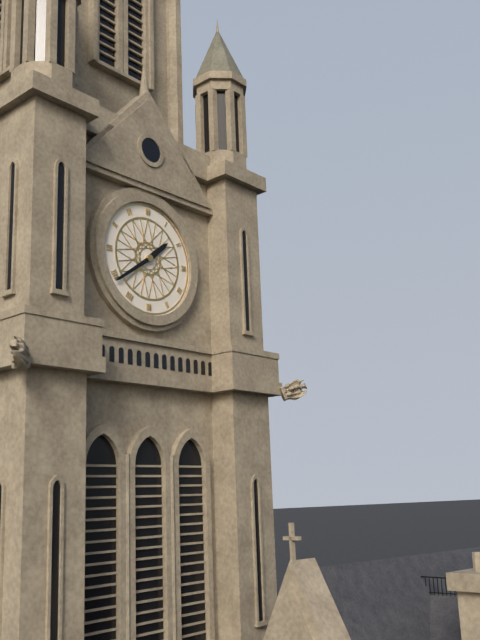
1:39
